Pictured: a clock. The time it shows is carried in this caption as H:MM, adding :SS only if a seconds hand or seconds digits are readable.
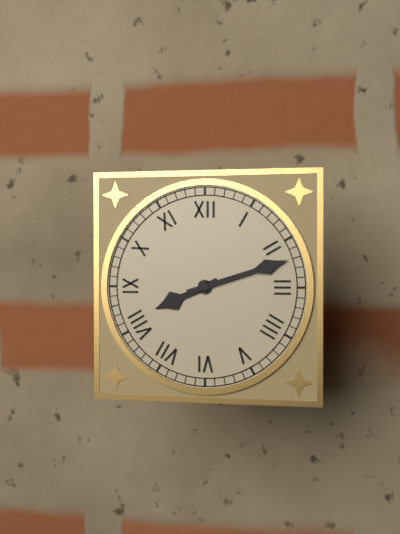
8:12
